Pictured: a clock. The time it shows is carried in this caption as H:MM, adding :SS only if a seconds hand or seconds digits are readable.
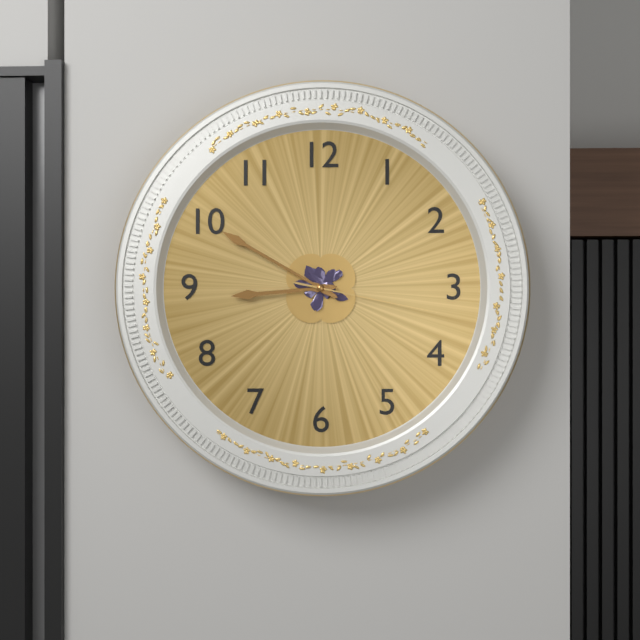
8:50:17
